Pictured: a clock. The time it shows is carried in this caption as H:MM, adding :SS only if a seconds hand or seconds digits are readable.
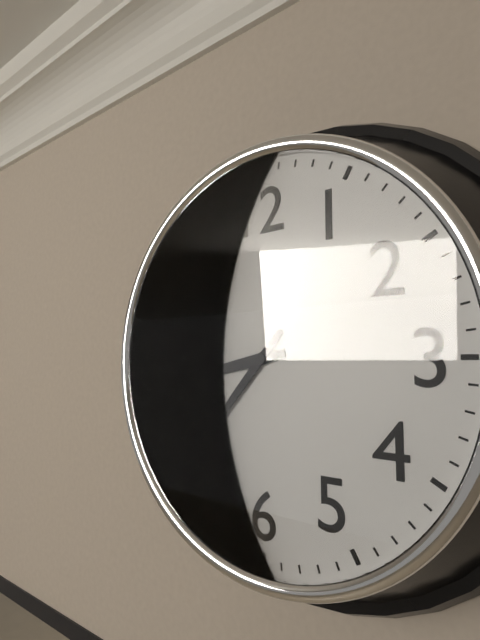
8:37
